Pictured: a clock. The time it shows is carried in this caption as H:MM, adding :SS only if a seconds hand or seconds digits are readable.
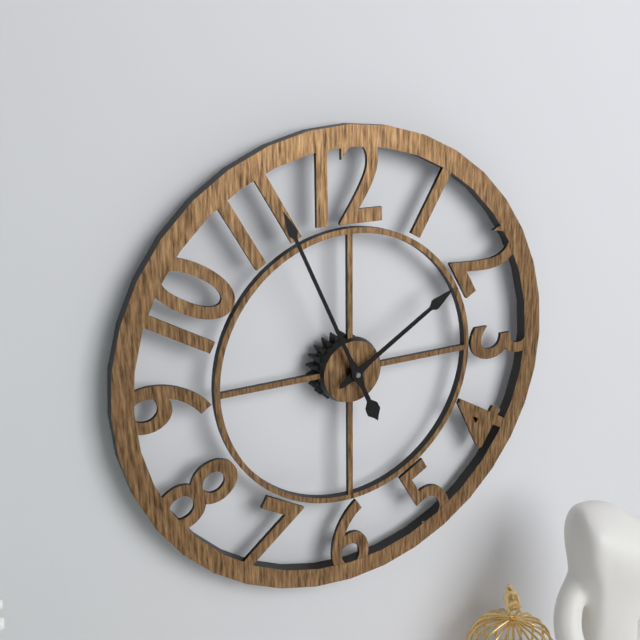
1:56
